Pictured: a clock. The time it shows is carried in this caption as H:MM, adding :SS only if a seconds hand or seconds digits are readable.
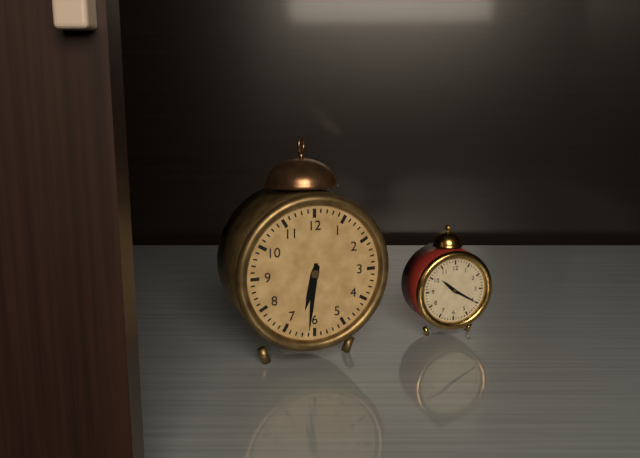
6:31
